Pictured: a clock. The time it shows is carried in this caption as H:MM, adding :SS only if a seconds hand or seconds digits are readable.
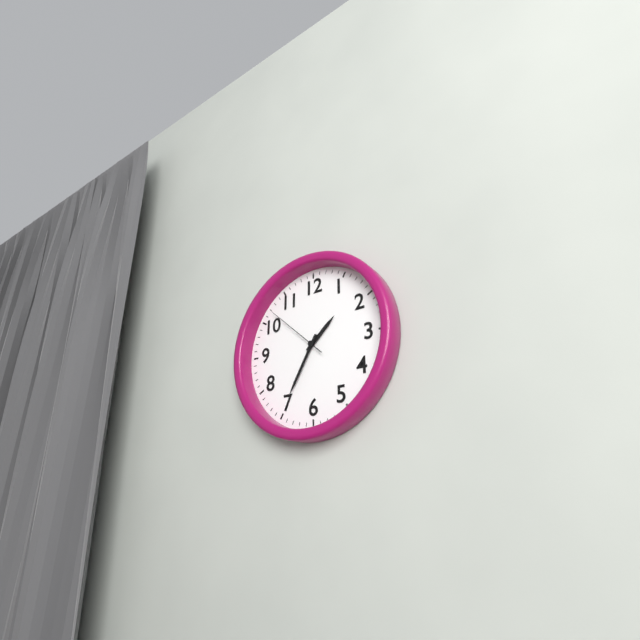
1:35:52
